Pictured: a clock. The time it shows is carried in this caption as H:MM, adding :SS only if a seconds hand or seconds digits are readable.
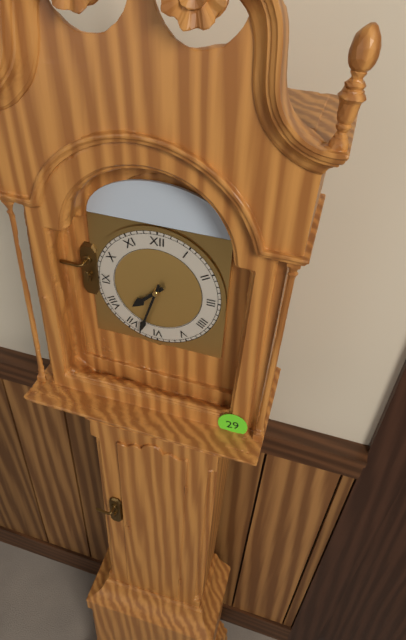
7:33
